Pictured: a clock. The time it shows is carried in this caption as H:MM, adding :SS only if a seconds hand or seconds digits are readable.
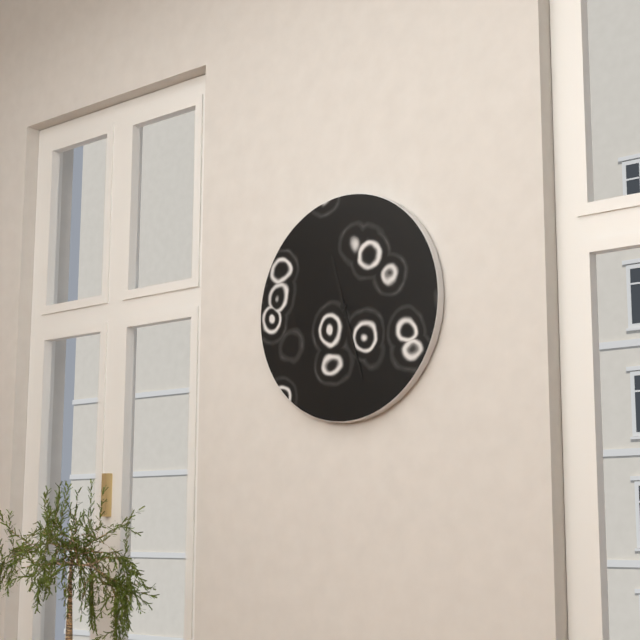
11:27
